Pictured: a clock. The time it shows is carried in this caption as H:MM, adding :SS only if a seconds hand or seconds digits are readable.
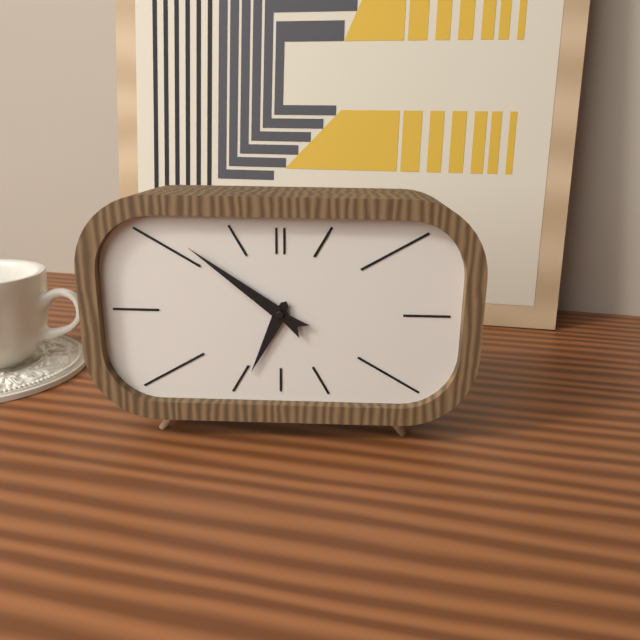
6:51
